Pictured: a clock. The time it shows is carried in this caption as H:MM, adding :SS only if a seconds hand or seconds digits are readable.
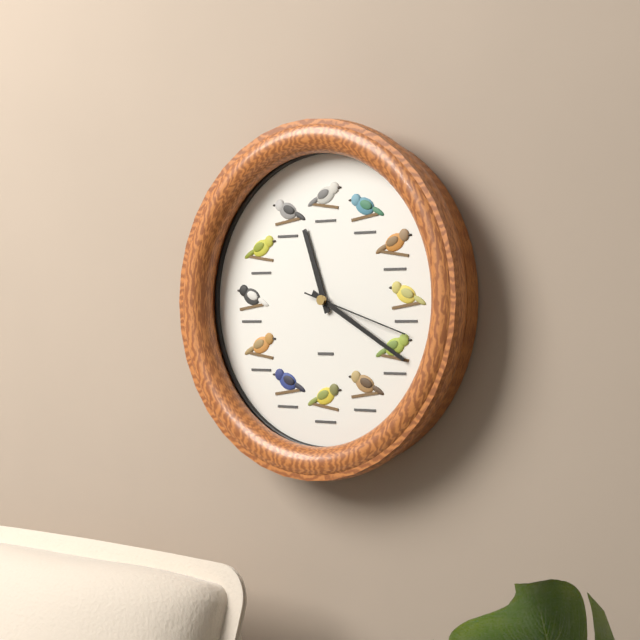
11:20:18
